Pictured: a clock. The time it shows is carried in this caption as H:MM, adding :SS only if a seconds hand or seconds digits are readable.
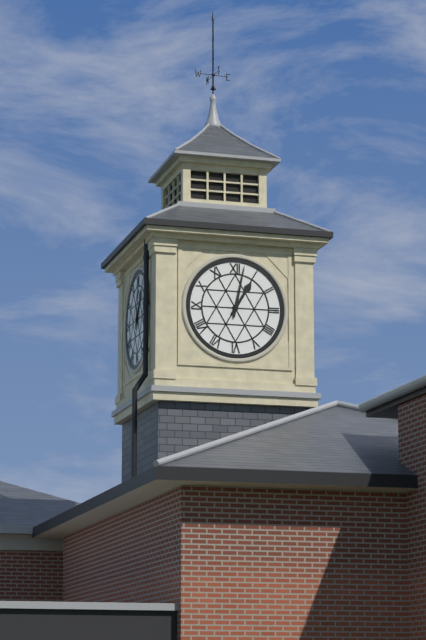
1:02
